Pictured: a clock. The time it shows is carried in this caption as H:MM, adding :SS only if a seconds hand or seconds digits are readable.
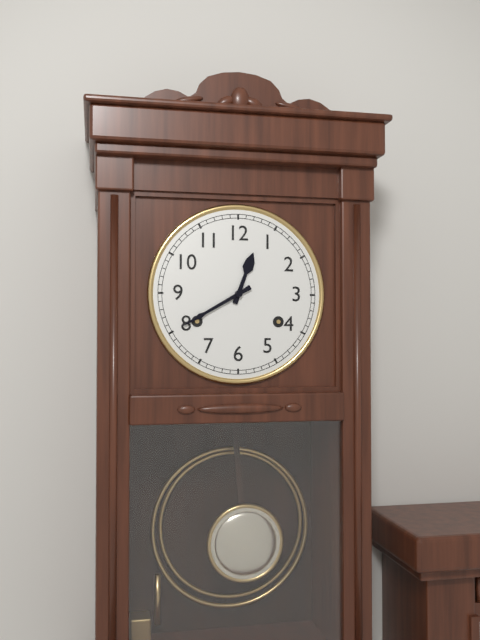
12:40
